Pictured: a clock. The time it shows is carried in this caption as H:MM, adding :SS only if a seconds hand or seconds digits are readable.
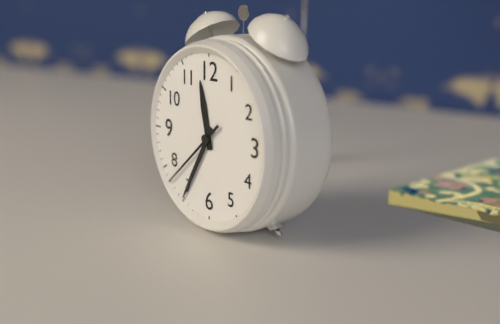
11:35:38
